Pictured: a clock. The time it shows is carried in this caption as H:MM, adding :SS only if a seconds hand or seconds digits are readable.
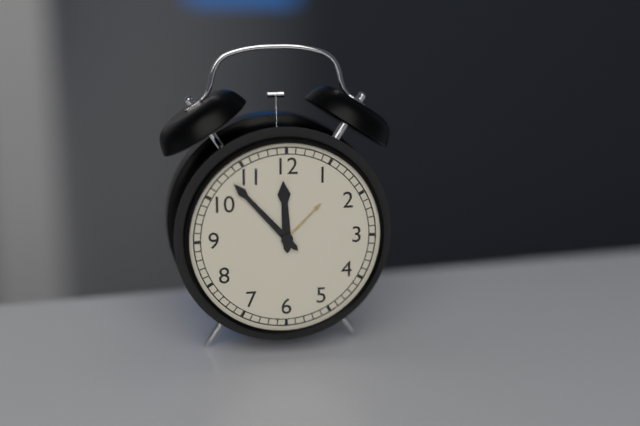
11:53
